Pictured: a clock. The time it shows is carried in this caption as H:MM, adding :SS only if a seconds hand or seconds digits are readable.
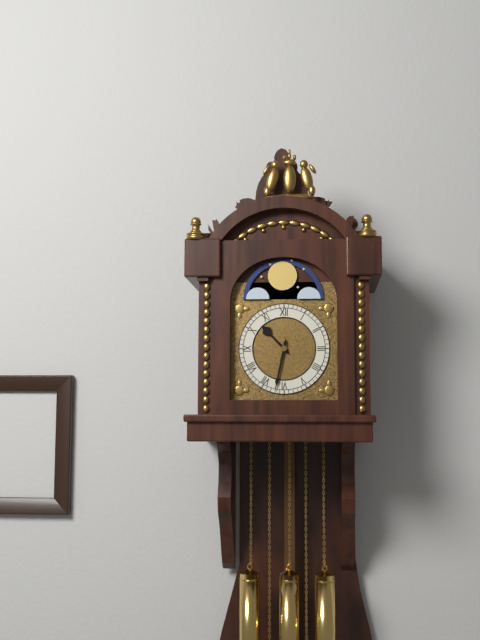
10:32
